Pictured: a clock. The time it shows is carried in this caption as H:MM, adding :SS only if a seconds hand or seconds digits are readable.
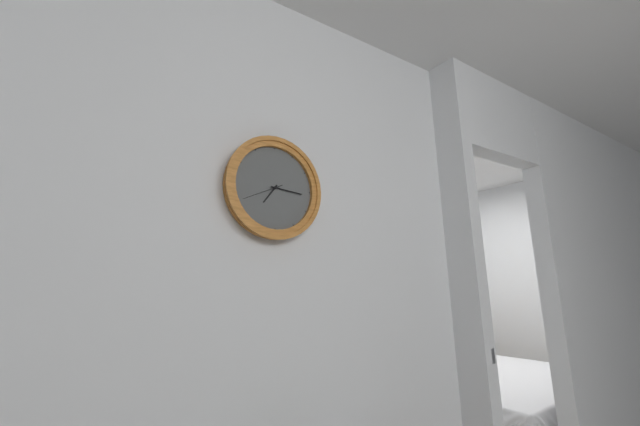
7:16
